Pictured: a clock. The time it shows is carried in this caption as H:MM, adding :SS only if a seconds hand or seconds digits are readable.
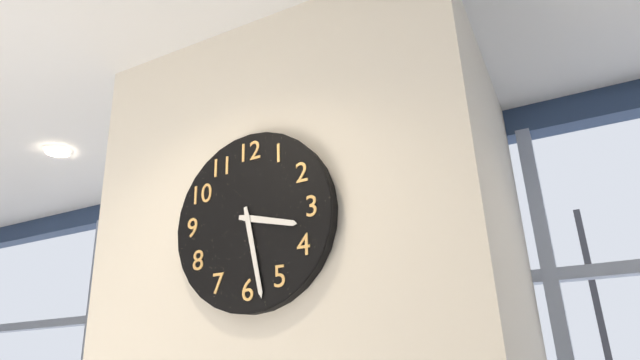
3:28
